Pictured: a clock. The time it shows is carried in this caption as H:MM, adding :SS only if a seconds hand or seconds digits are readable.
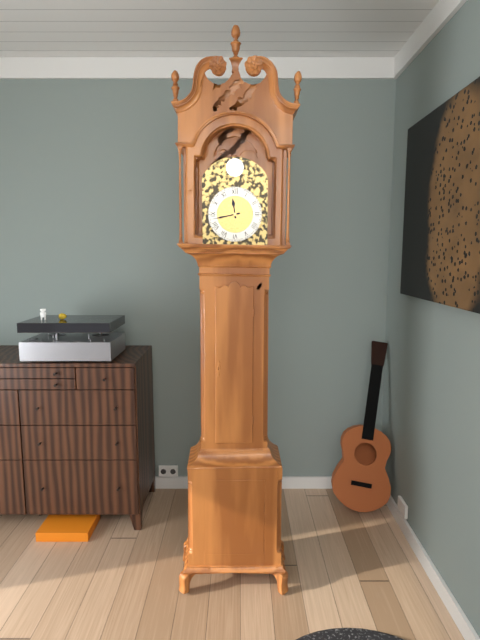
11:43
